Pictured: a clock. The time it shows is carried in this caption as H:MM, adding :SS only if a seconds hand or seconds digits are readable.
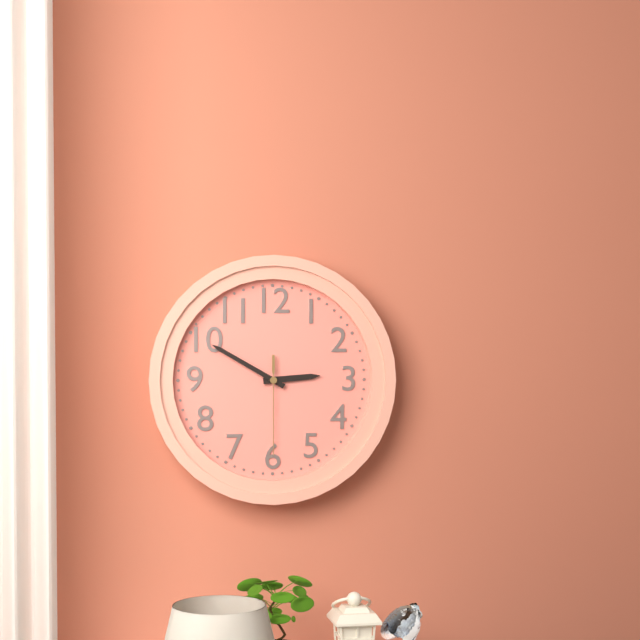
2:50:30
